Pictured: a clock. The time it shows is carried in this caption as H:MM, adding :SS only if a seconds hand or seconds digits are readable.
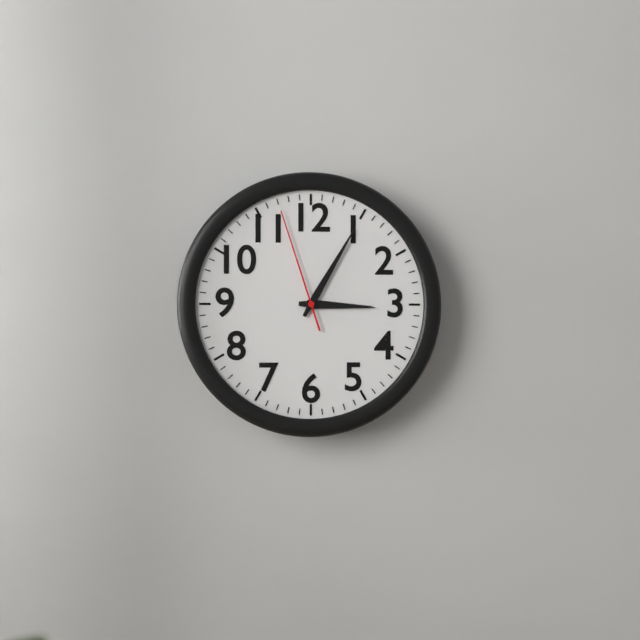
3:05:57
